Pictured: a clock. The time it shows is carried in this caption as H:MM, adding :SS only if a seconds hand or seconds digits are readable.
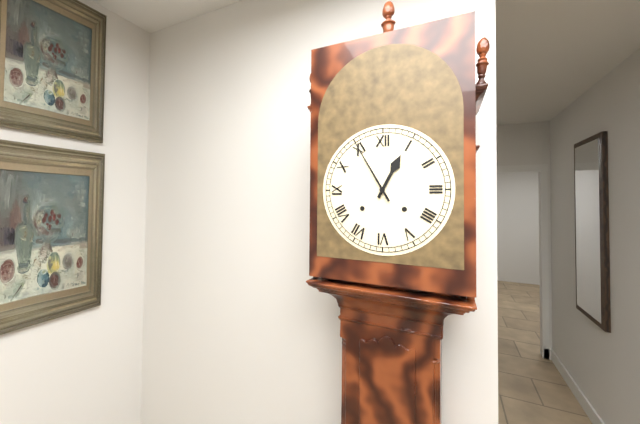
12:55
